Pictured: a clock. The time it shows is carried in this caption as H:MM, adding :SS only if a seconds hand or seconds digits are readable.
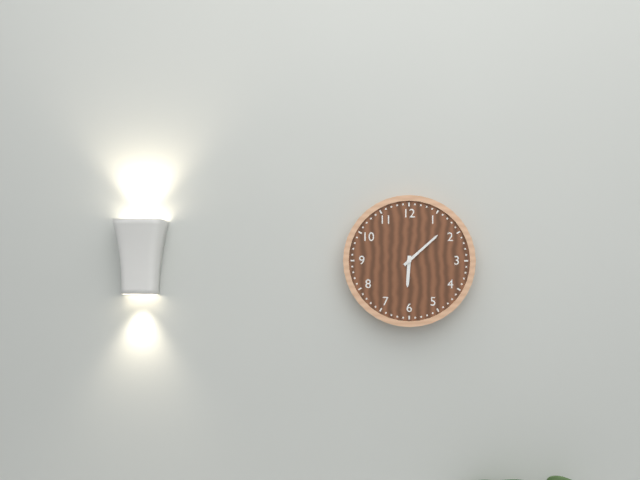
6:08
